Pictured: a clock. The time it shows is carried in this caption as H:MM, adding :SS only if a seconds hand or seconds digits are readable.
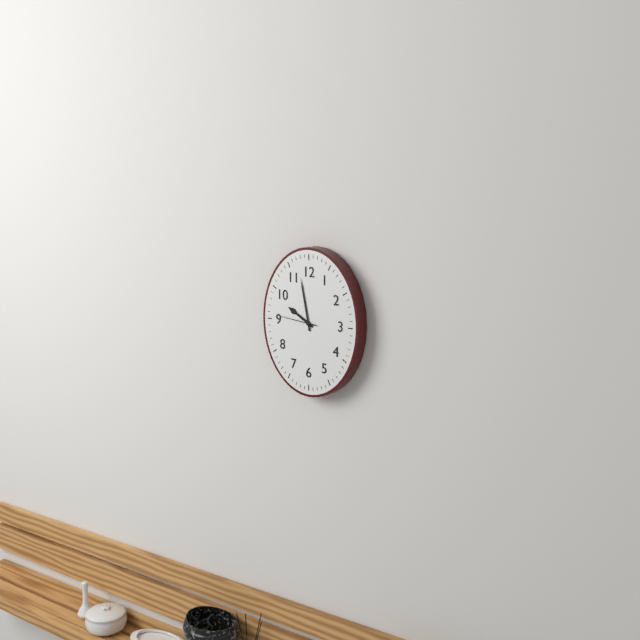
9:58
